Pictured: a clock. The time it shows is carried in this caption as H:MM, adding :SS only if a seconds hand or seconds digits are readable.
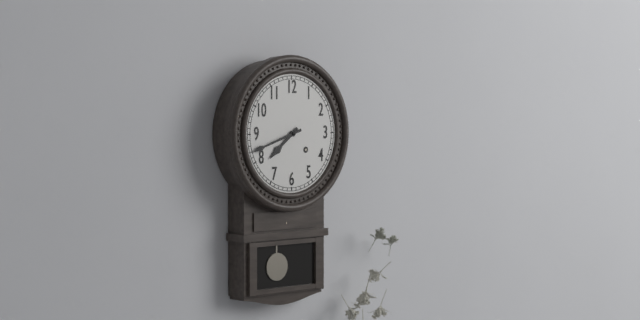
7:42
